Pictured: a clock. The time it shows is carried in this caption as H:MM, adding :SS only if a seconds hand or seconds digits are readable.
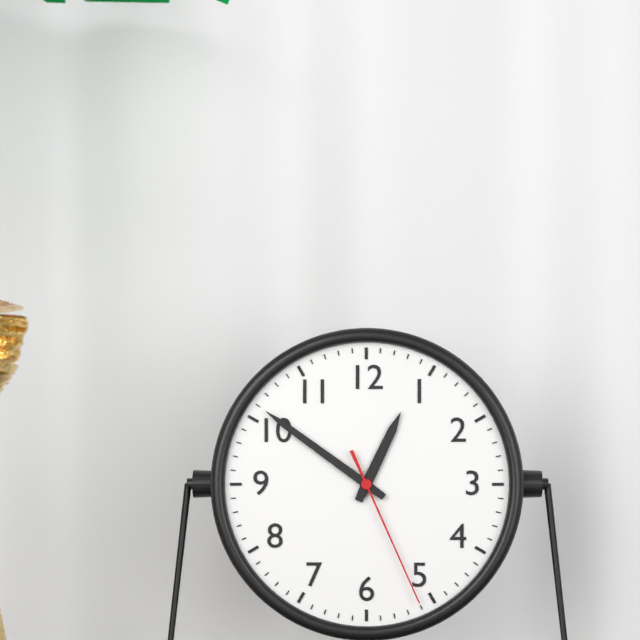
12:51:26
